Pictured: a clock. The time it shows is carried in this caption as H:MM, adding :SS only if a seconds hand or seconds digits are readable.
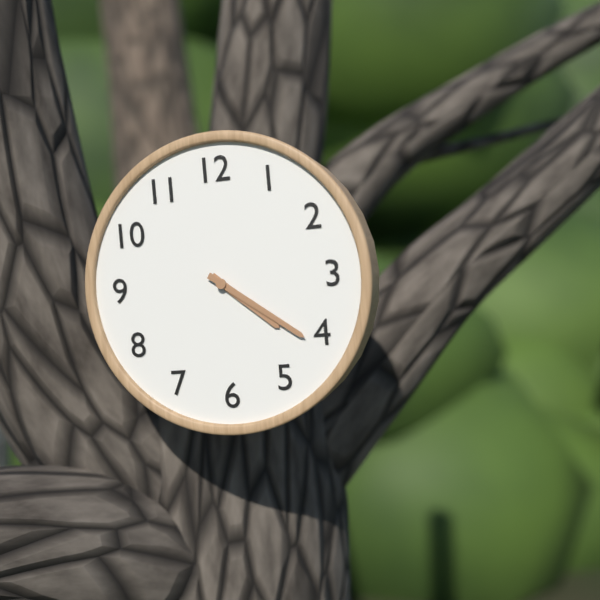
4:21
